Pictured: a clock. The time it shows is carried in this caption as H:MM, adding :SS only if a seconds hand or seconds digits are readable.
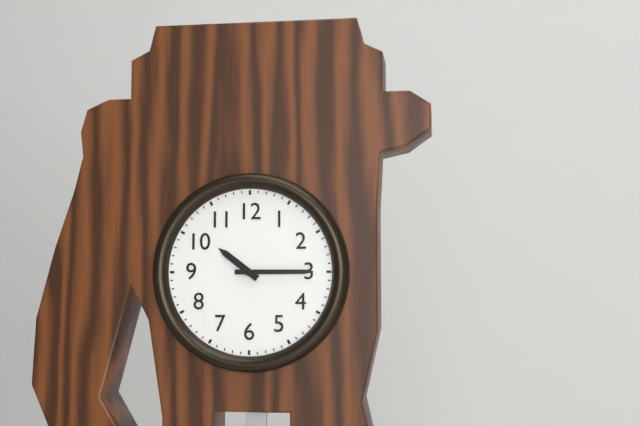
10:15
